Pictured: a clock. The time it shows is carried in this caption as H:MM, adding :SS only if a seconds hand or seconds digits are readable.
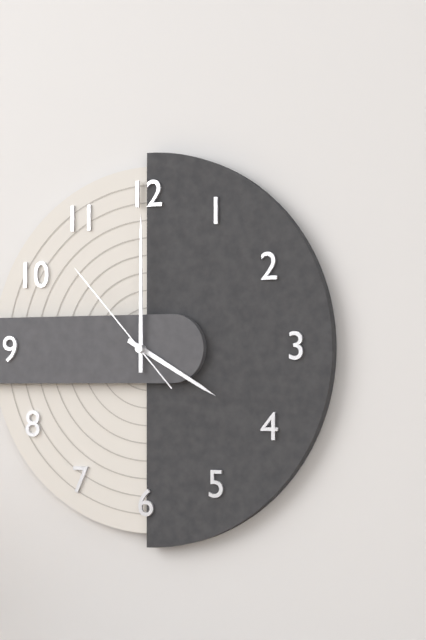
4:00:53
